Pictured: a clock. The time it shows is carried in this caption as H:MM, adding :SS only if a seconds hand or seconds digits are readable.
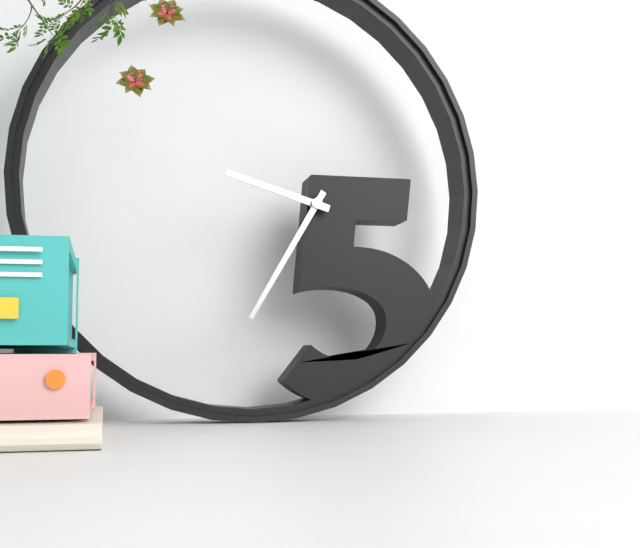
9:35
